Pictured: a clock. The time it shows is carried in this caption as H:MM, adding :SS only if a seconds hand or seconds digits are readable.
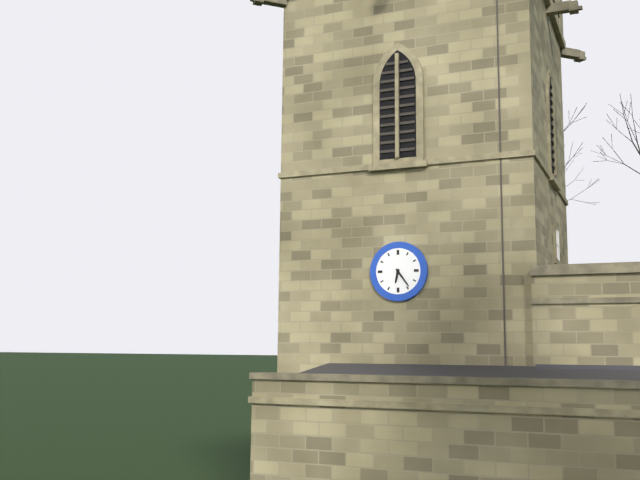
6:24
